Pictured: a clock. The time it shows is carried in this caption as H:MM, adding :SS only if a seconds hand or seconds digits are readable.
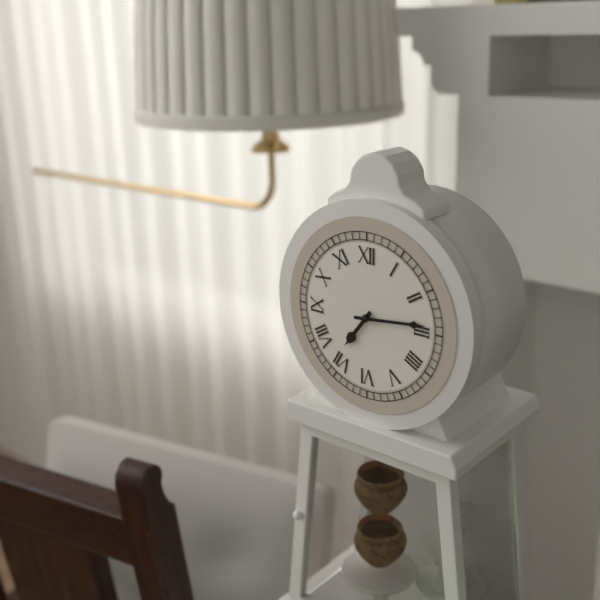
7:14
